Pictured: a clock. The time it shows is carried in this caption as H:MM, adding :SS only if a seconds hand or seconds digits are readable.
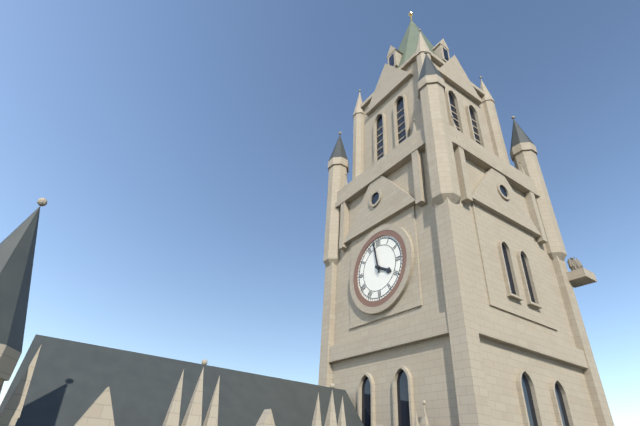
3:58
